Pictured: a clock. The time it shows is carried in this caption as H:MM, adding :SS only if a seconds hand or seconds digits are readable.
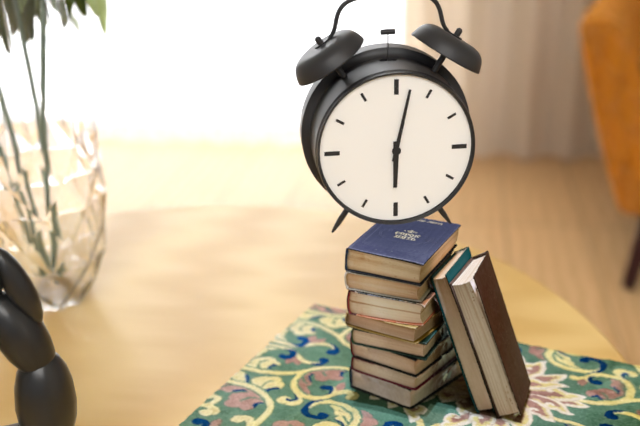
6:02
